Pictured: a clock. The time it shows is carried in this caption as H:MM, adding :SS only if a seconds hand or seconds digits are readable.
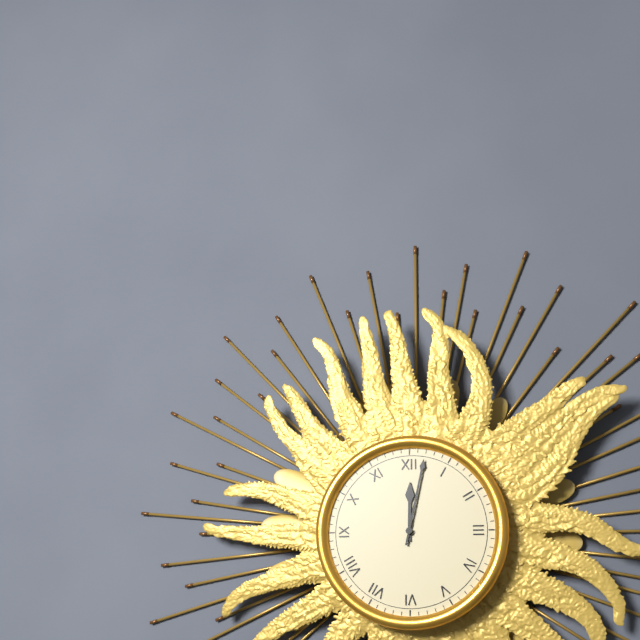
12:02
